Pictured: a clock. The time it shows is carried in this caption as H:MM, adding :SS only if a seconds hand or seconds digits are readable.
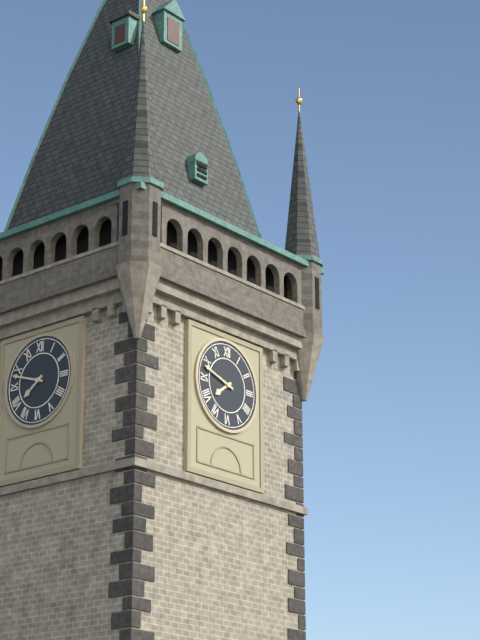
7:48
